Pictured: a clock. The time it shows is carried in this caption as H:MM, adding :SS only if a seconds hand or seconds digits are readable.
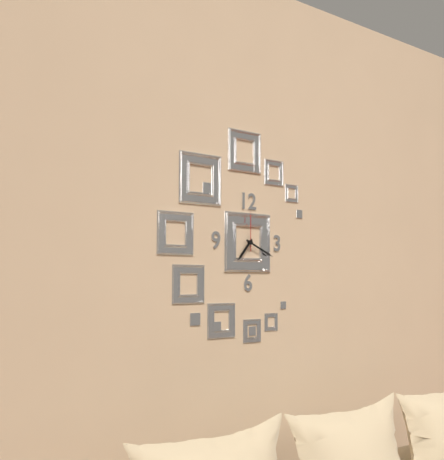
7:19
